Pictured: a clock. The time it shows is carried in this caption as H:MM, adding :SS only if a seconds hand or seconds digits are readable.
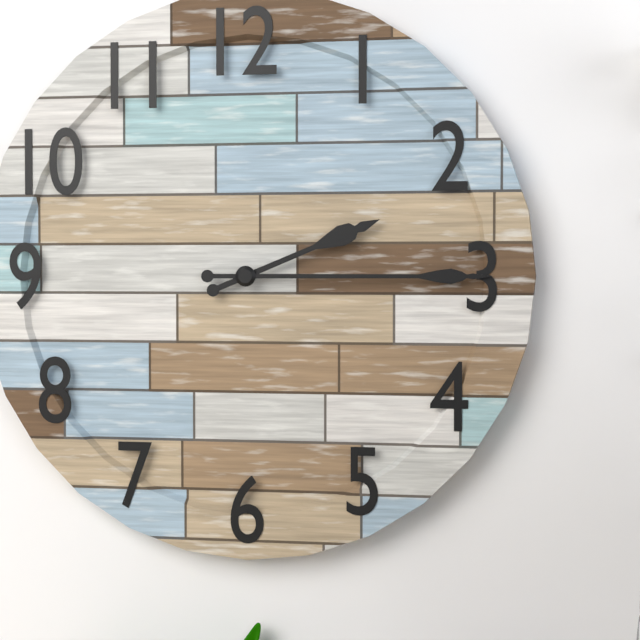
2:15
